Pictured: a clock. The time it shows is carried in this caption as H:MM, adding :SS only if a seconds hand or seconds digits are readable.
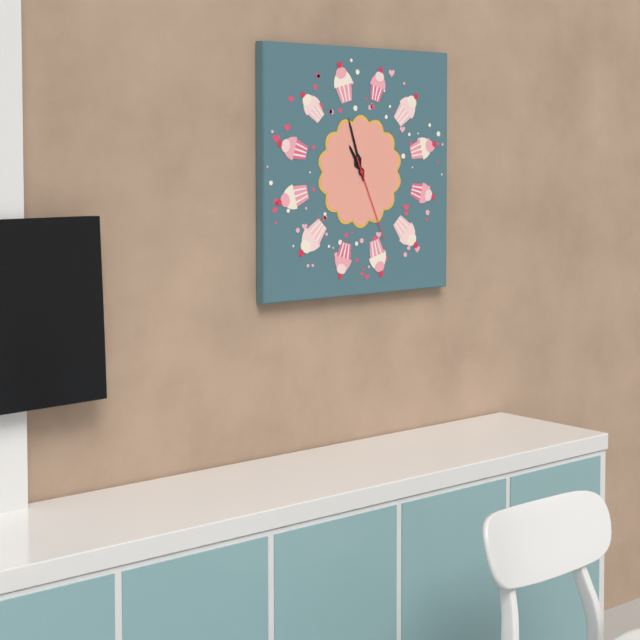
10:57:26
